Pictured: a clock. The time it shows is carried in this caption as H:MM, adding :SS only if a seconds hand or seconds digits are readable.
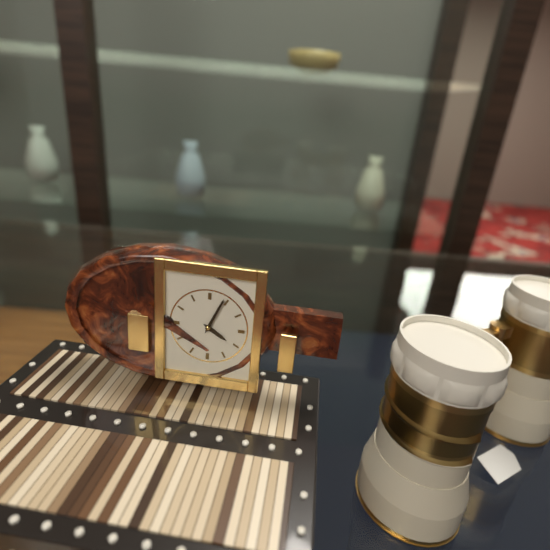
4:04
